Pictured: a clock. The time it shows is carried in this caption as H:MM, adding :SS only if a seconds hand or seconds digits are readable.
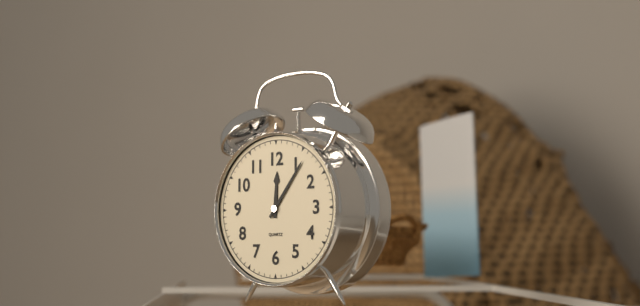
12:06
